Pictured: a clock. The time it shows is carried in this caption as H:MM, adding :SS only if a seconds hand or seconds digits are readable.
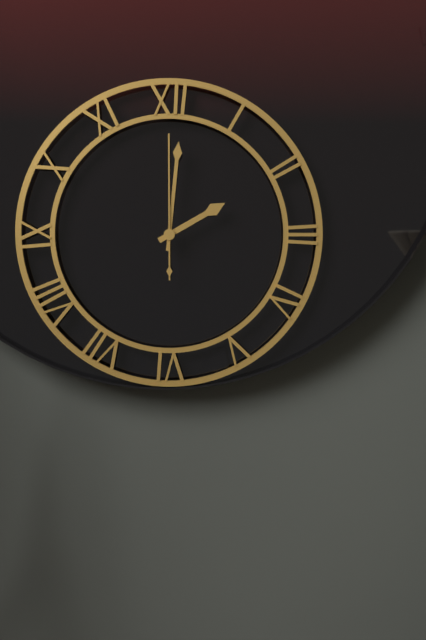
2:01:00
